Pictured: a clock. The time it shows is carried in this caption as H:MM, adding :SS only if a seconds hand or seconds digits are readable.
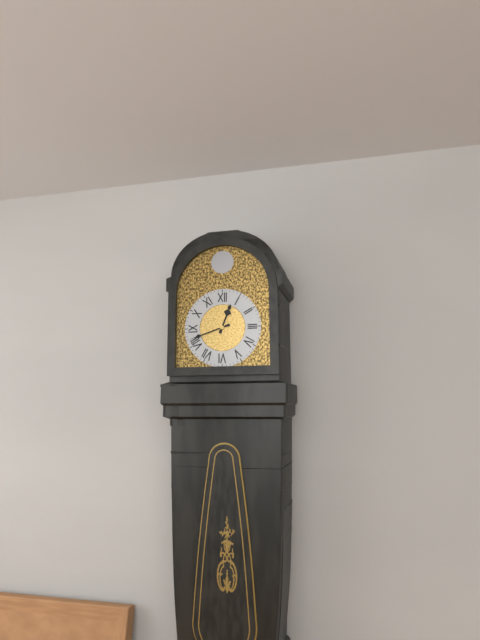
12:42
